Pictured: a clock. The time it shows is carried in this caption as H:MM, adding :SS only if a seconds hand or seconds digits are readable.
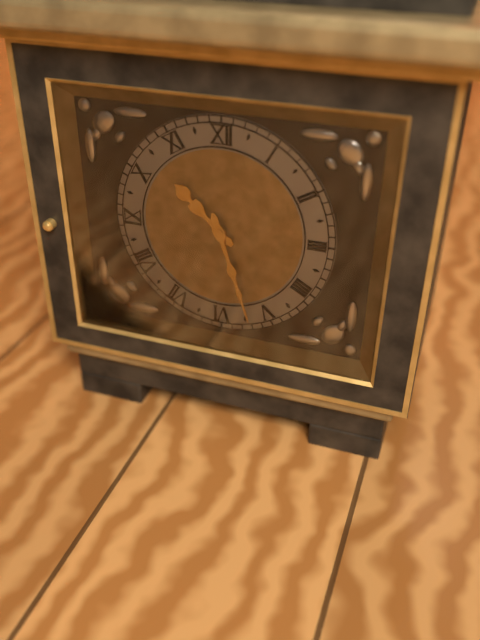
10:27
